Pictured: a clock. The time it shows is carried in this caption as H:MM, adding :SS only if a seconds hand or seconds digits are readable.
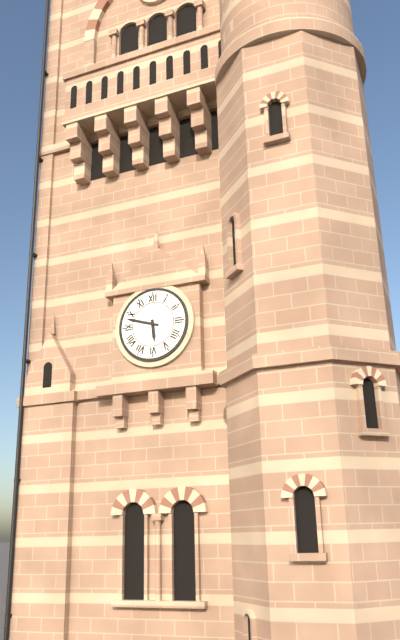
5:48
